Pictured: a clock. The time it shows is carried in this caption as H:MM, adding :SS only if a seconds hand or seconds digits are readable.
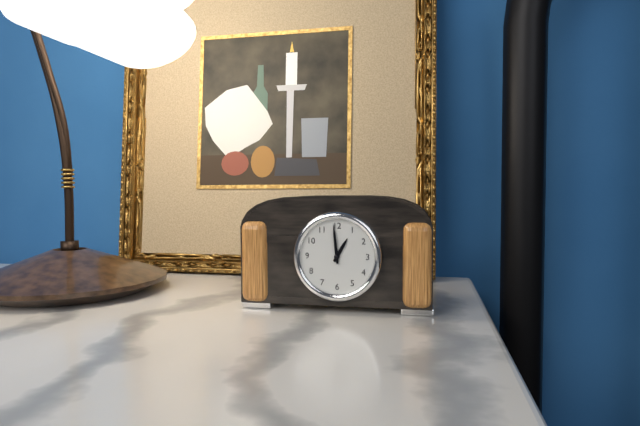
12:59
